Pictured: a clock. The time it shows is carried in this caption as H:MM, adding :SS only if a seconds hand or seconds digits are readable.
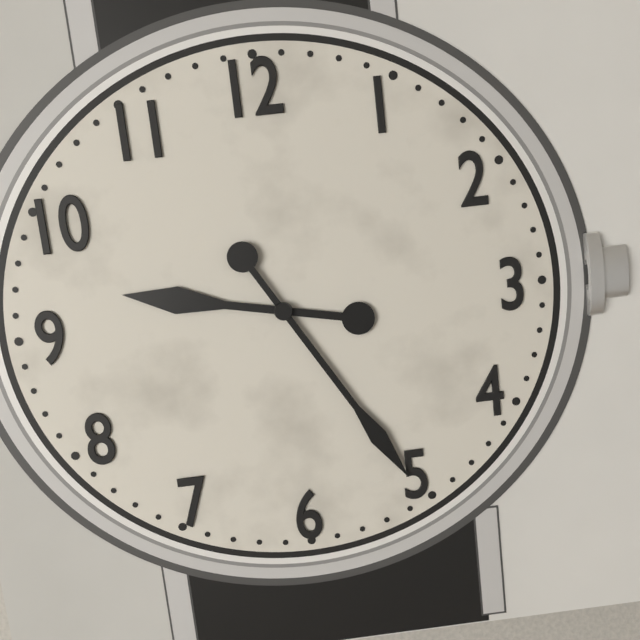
9:25
